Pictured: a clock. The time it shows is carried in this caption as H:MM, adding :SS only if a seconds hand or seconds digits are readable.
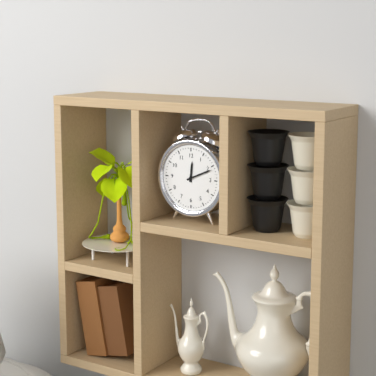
12:11
